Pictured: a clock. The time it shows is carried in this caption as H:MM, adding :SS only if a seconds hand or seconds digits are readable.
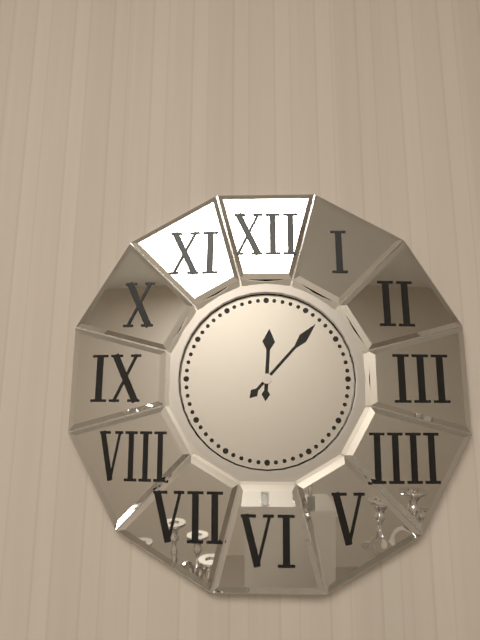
12:07
